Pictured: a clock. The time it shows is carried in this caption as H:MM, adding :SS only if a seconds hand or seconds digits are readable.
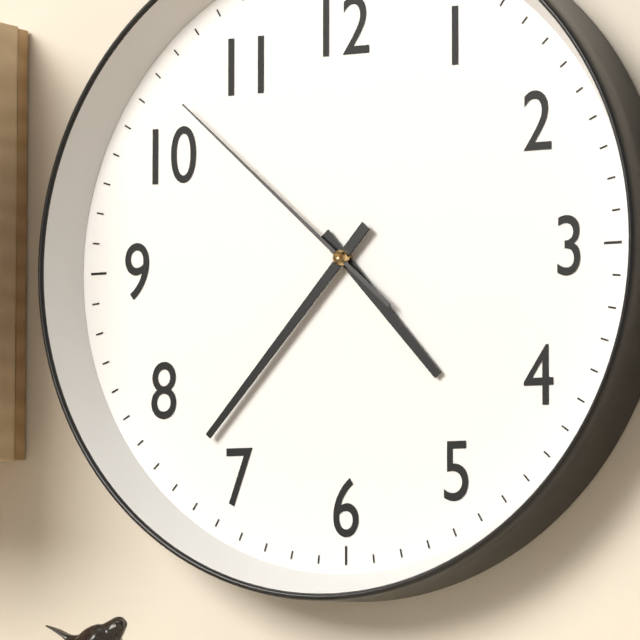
4:37:52
